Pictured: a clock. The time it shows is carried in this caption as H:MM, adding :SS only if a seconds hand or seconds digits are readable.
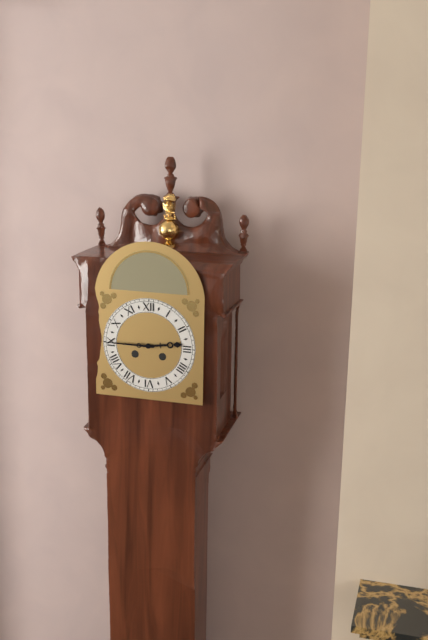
2:45
